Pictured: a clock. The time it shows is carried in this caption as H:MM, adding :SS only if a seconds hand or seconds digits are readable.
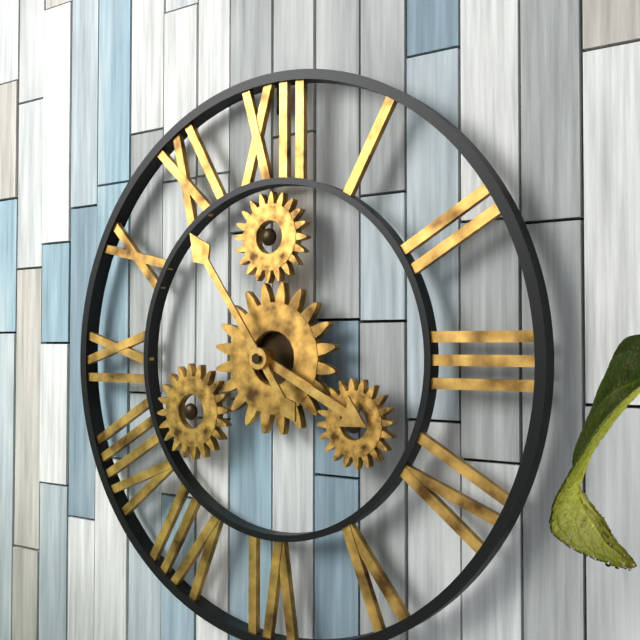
3:54
